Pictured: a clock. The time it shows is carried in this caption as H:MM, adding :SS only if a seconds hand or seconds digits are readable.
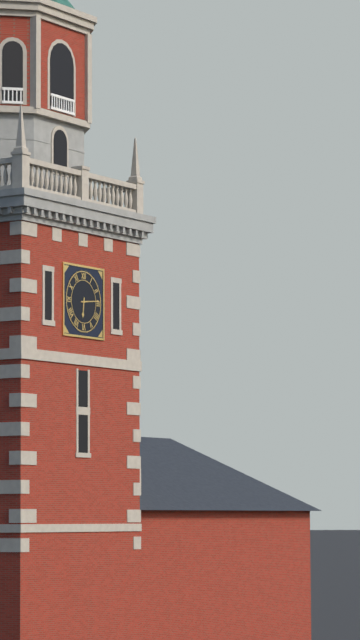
6:14
